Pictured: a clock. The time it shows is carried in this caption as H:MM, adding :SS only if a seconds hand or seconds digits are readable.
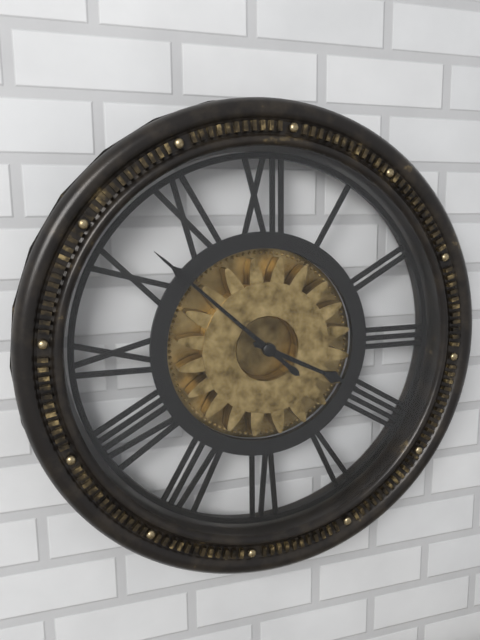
3:52
